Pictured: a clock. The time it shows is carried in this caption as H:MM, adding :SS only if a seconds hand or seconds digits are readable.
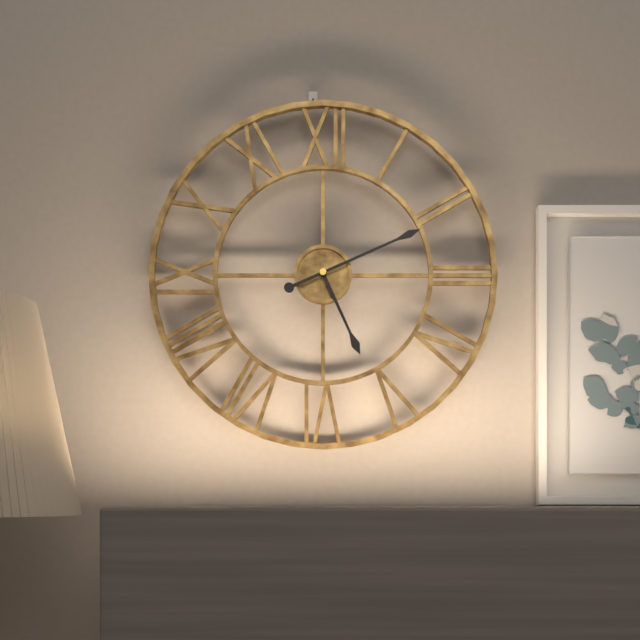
5:11
